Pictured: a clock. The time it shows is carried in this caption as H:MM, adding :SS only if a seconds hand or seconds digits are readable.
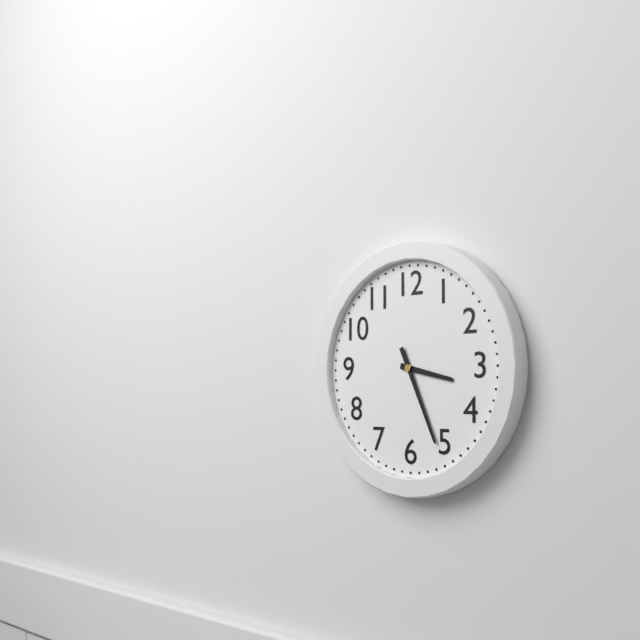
3:26
